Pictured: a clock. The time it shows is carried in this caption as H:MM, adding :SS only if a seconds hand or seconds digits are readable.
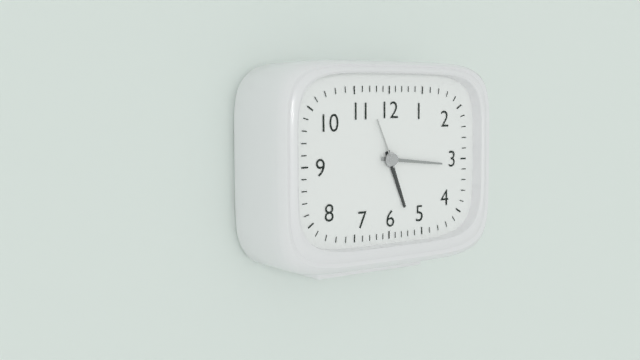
5:16:56
